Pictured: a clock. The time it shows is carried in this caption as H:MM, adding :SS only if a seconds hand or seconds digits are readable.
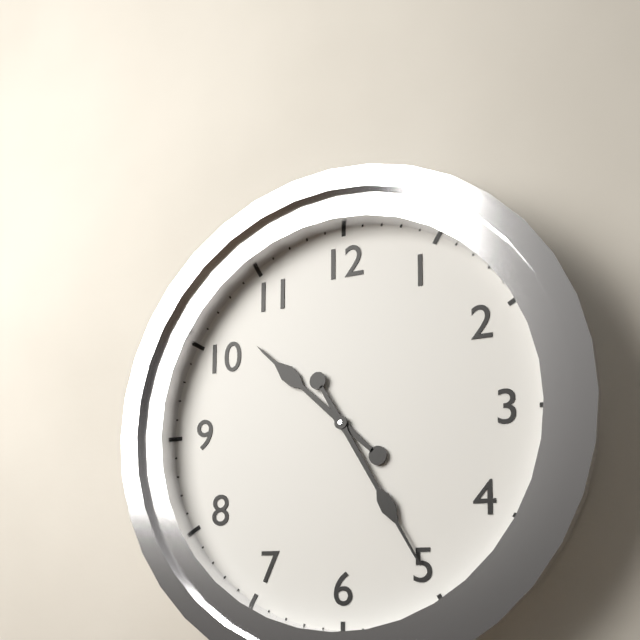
10:25
